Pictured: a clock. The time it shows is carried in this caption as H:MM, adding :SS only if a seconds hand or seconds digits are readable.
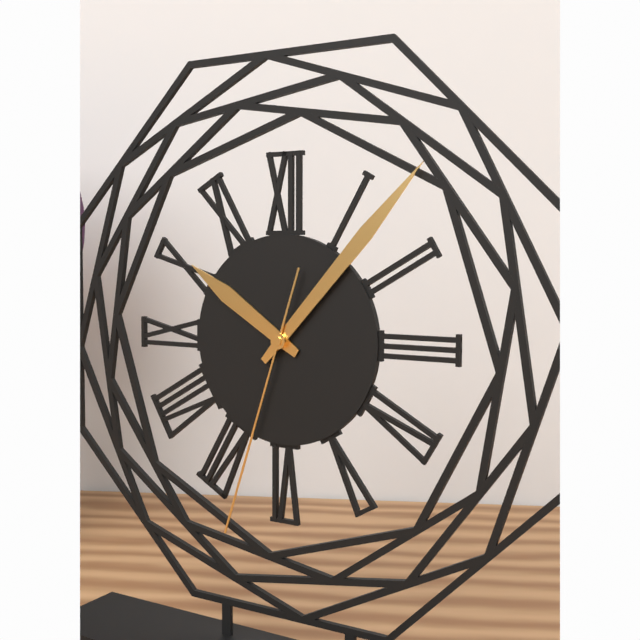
10:07:33
